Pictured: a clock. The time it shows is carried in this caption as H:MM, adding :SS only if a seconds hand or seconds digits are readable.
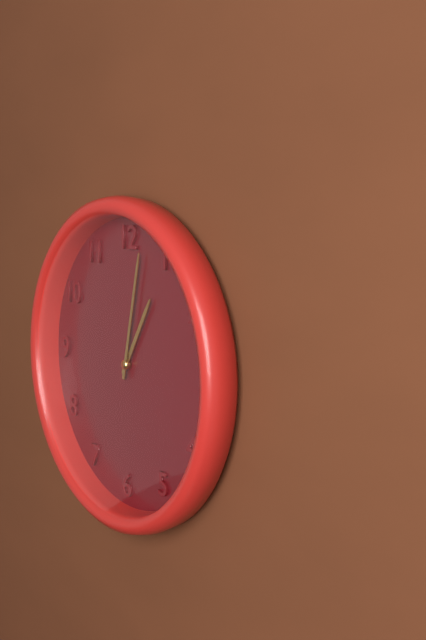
1:02
